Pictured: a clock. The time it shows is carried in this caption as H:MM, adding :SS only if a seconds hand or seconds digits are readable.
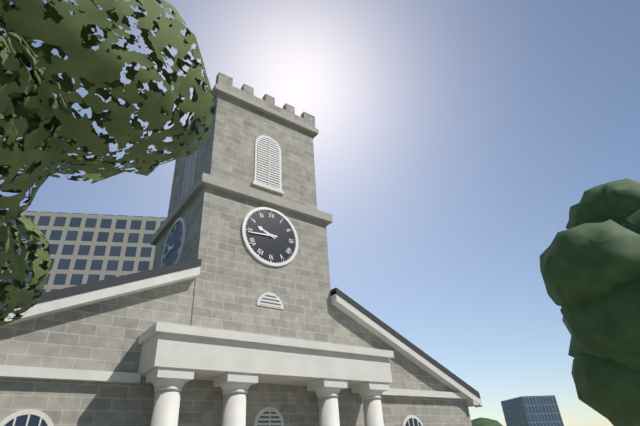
9:44
